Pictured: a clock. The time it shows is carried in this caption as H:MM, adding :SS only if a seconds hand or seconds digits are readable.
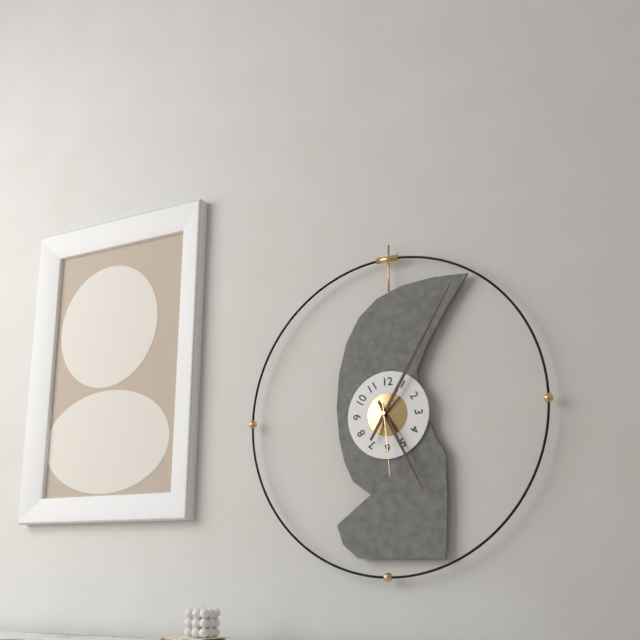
5:05:29
